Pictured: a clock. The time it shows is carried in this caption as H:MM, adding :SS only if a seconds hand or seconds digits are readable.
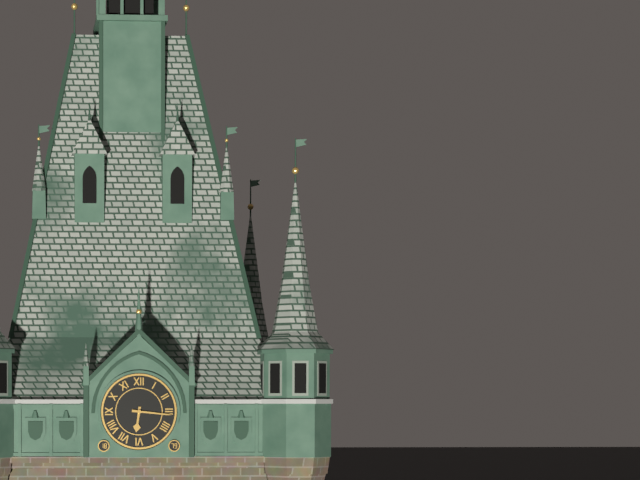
6:16
